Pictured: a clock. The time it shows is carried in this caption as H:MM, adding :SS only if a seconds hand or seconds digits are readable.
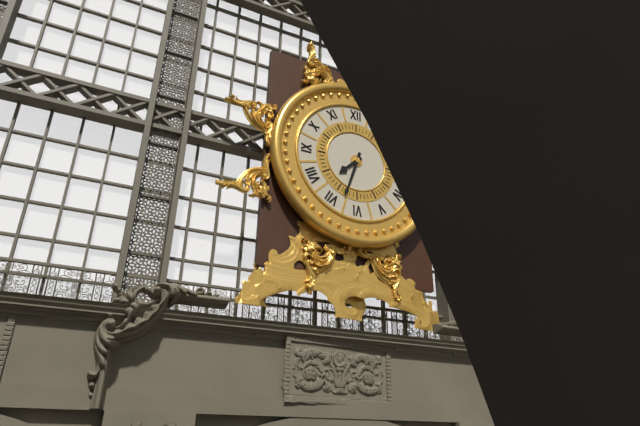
7:33
